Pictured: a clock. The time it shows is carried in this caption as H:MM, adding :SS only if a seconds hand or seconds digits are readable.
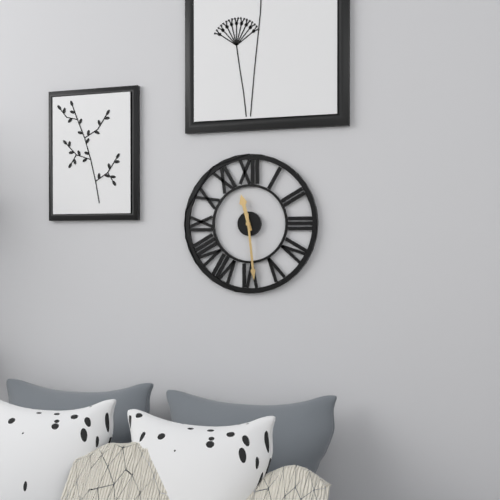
11:29
